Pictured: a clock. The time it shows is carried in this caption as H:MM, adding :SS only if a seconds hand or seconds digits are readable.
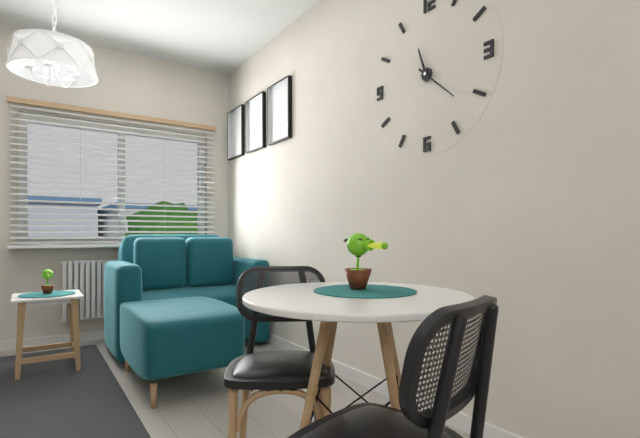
11:22
